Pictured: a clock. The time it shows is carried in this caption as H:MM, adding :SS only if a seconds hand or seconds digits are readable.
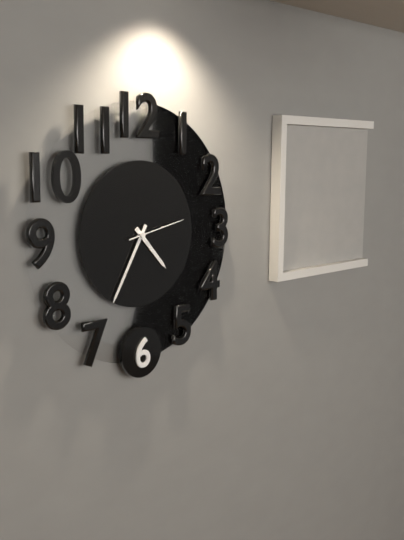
4:35:13
